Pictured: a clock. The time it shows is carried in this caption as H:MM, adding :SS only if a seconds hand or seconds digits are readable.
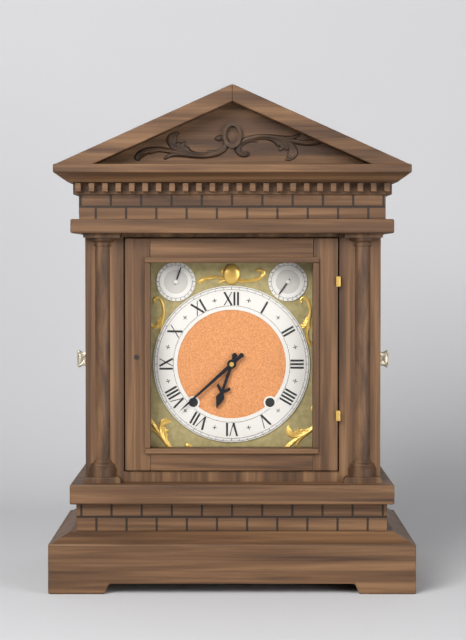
6:38
